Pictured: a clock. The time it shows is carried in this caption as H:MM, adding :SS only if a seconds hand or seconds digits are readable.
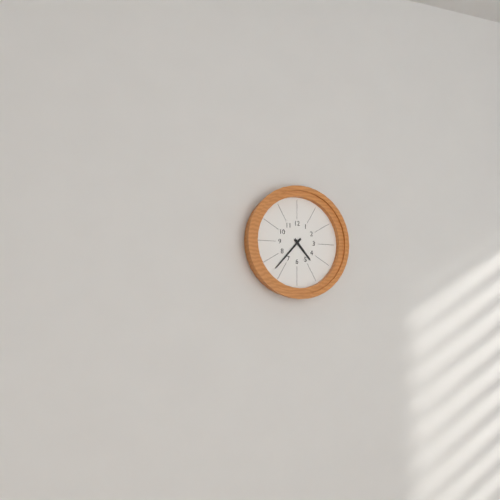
4:37
